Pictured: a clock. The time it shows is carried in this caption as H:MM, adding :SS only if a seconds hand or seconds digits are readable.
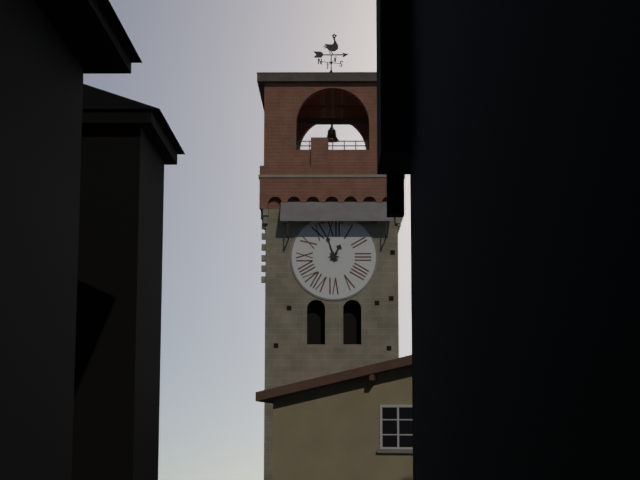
12:57
